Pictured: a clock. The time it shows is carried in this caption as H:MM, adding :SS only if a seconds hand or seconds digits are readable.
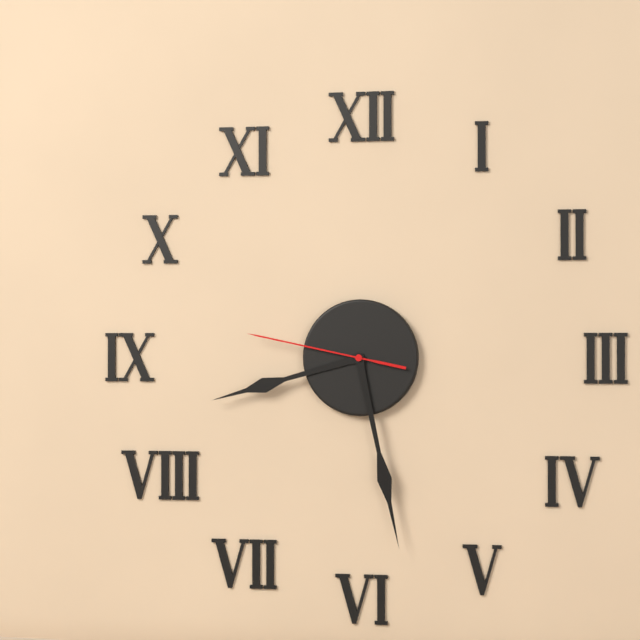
8:28:47
